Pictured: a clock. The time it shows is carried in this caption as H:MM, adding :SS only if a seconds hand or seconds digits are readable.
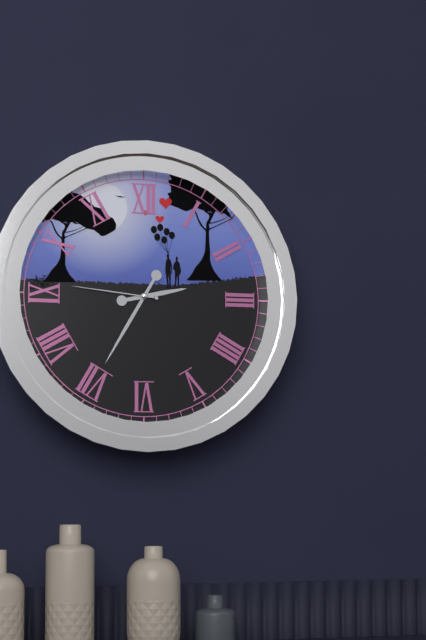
2:35:46
